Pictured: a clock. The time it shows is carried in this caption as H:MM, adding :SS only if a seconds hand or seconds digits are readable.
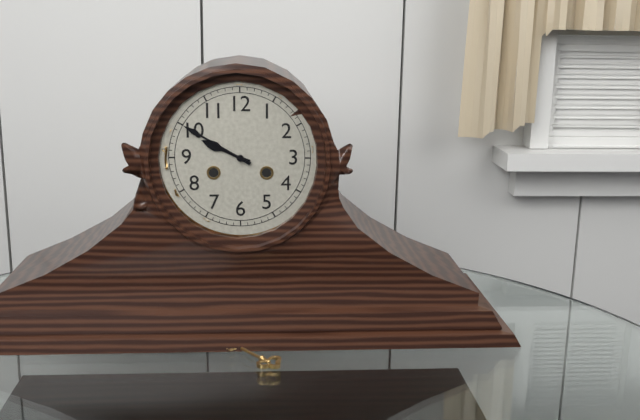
9:50
